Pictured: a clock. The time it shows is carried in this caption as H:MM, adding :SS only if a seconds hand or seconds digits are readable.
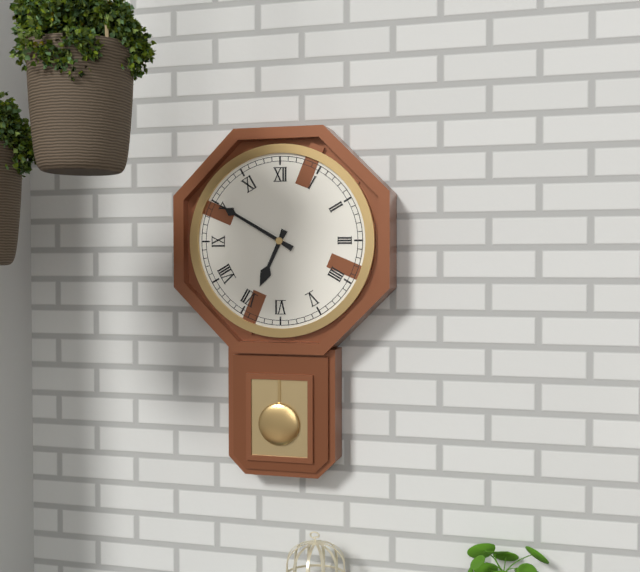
6:50
